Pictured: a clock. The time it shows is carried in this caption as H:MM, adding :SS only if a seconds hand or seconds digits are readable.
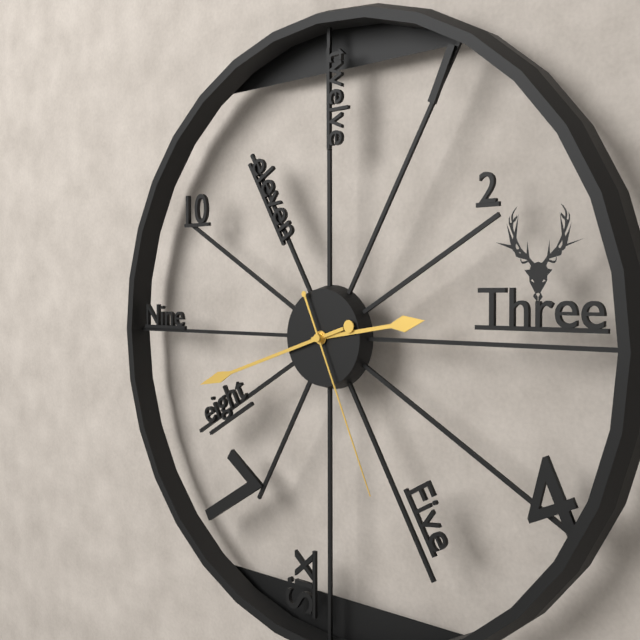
2:42:26
